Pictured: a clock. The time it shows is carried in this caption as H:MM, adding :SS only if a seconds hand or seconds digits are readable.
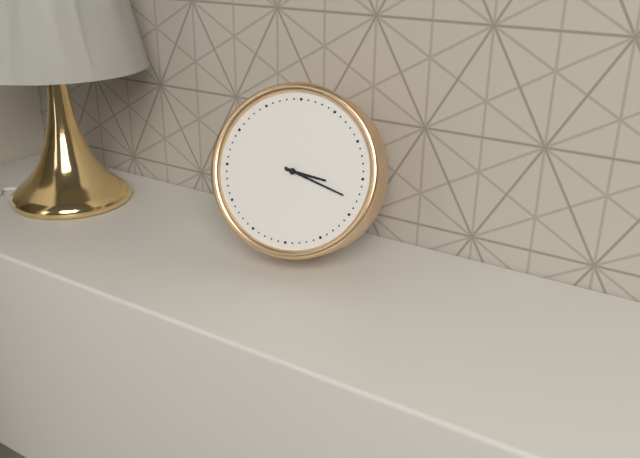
3:18
